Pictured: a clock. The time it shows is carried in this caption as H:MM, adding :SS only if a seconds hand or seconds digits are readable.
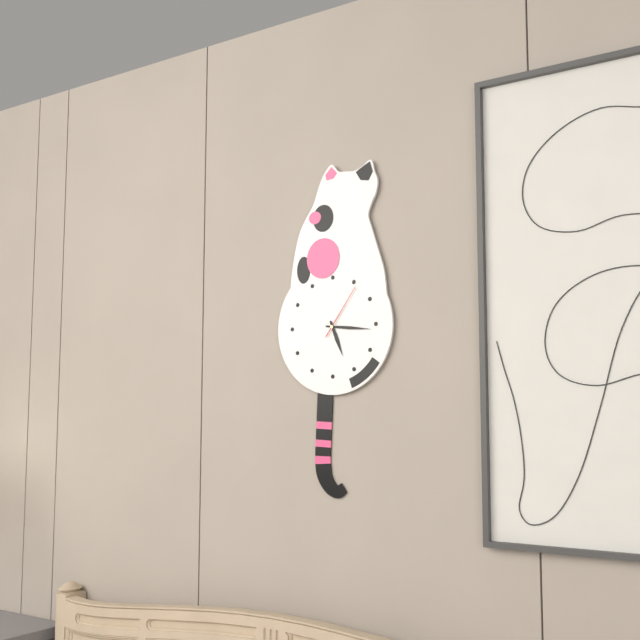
5:16:06
